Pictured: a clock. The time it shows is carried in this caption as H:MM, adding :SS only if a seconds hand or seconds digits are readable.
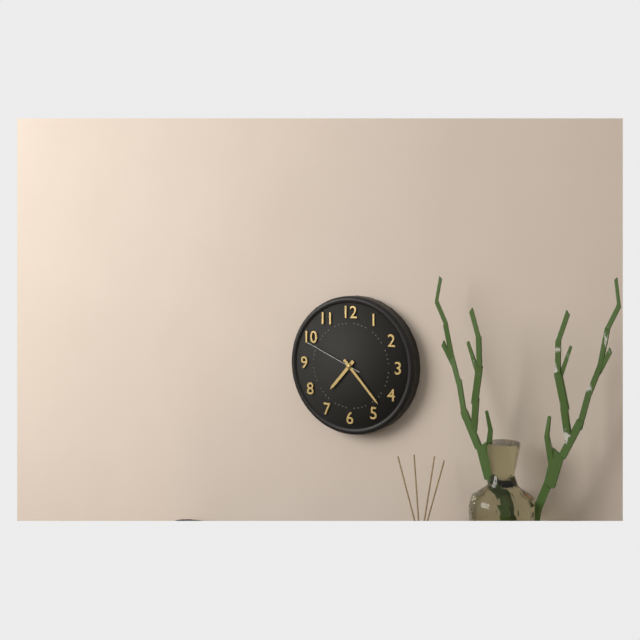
7:23:49
